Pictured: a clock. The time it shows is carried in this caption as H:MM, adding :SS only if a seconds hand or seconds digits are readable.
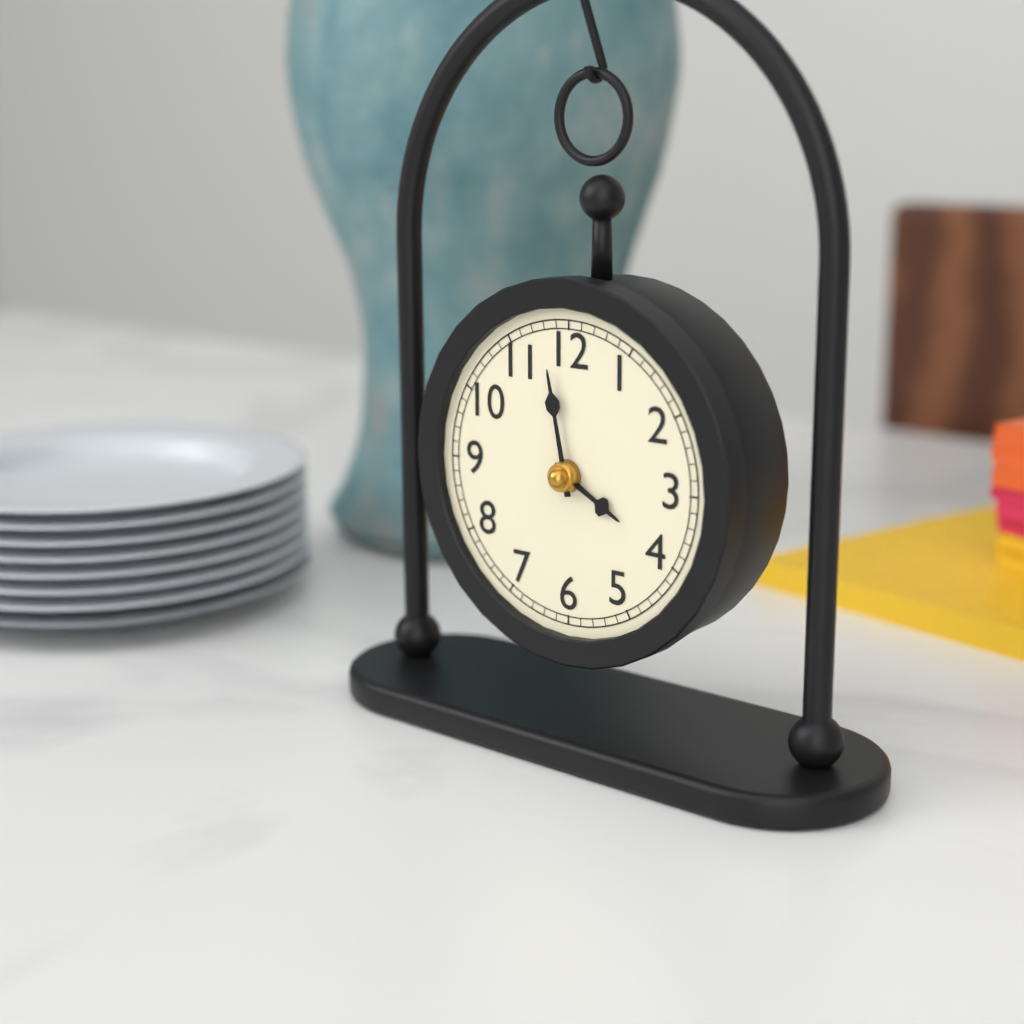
3:58
